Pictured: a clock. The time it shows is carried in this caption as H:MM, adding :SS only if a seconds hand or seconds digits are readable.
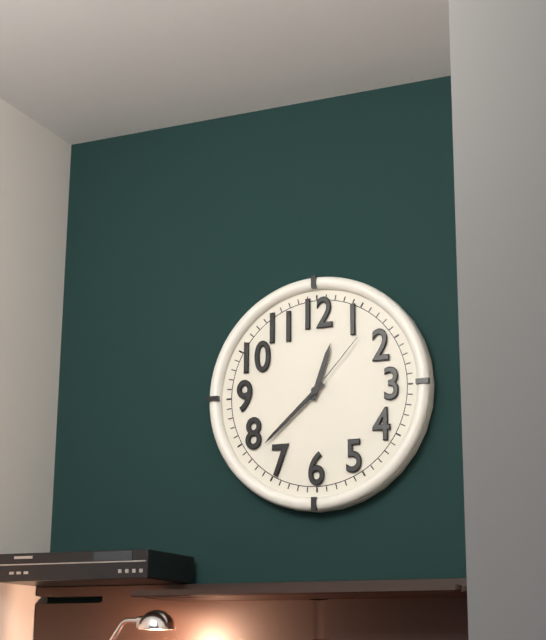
12:38:07
